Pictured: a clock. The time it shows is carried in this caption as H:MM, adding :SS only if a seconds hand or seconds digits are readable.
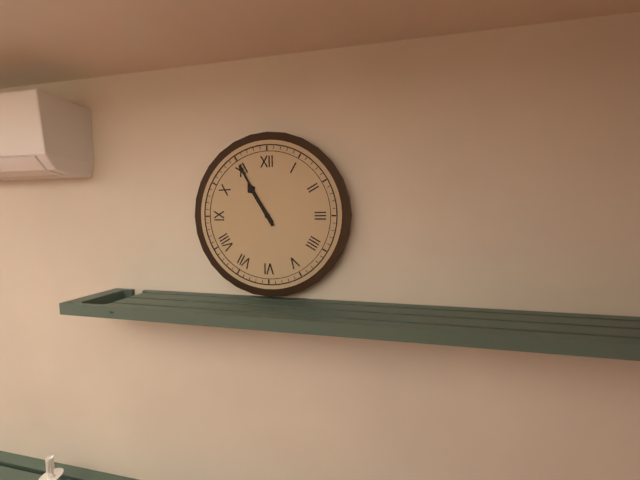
10:55
